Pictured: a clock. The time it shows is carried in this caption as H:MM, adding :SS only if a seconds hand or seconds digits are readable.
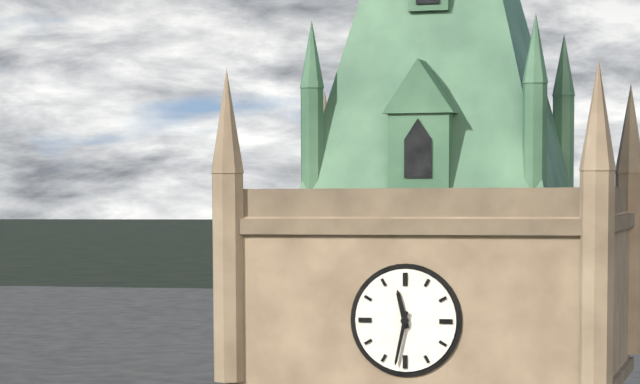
11:32
